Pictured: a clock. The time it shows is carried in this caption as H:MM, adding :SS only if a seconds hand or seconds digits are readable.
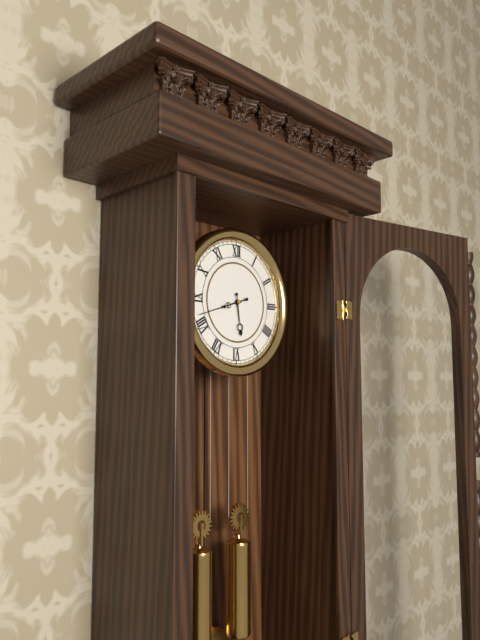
5:42
